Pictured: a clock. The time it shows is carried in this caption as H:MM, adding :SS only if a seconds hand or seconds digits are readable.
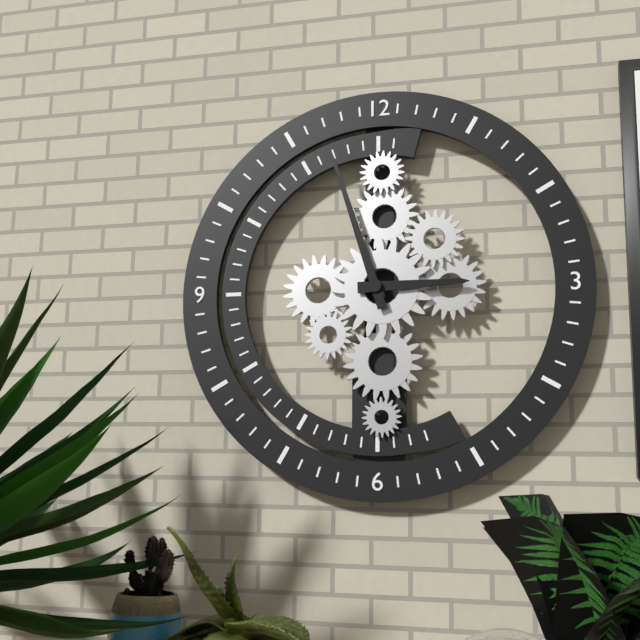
2:57
